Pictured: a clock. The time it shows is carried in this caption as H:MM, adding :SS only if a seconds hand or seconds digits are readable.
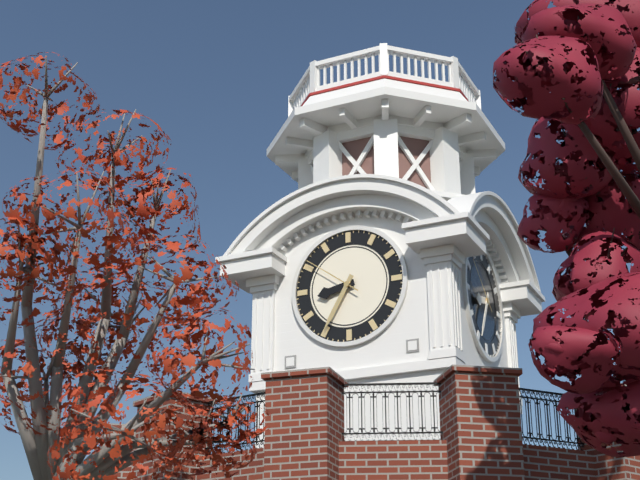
8:35:51
